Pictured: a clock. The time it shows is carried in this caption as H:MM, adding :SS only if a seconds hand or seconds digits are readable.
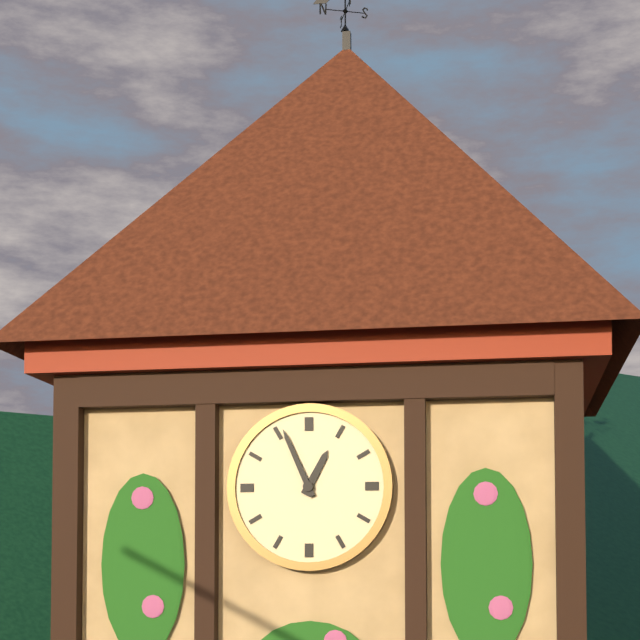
12:56
